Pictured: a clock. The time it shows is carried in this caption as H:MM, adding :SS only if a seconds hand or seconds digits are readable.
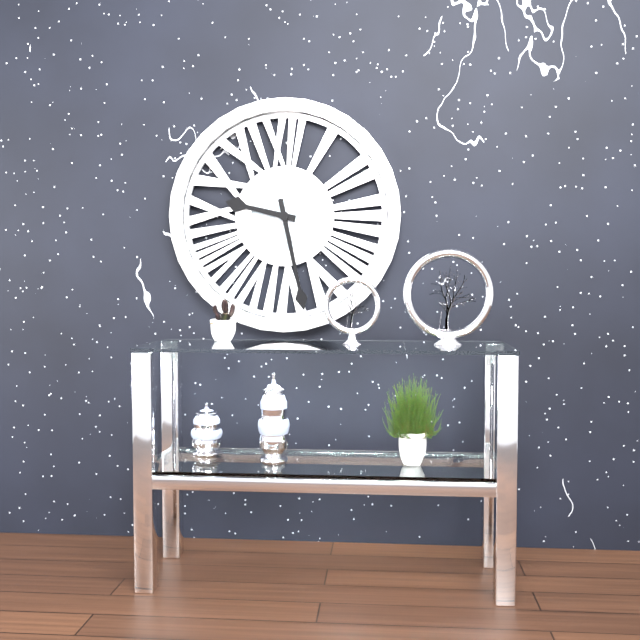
9:28
